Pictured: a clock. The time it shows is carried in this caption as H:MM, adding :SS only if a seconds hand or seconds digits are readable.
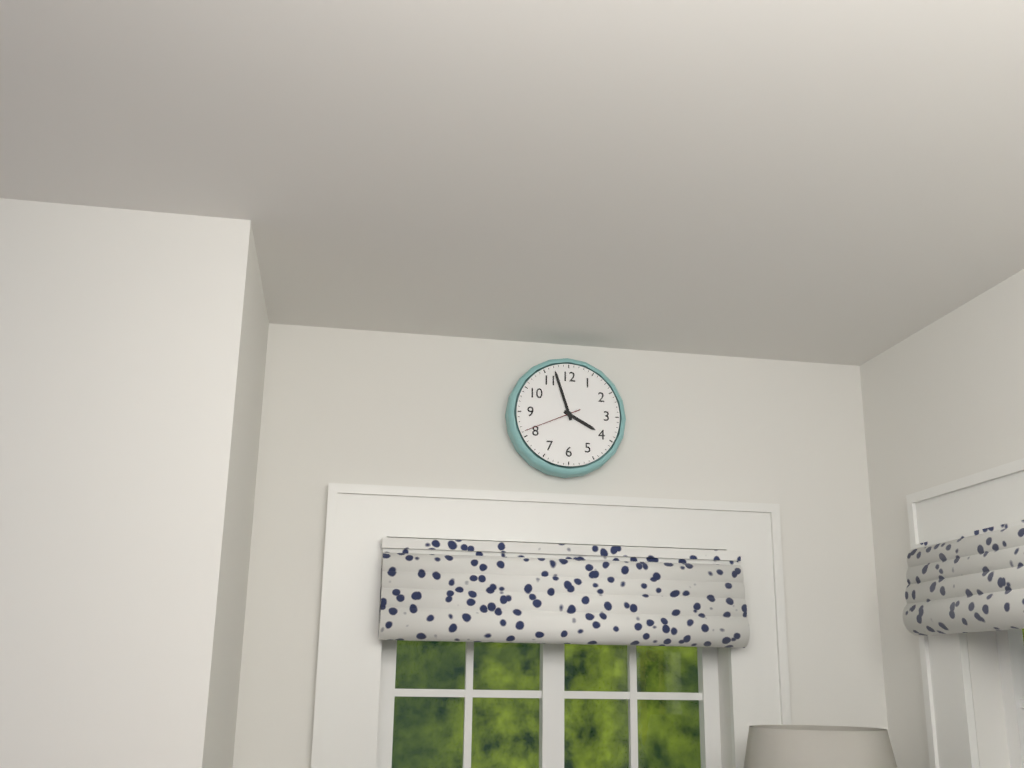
3:57:41
